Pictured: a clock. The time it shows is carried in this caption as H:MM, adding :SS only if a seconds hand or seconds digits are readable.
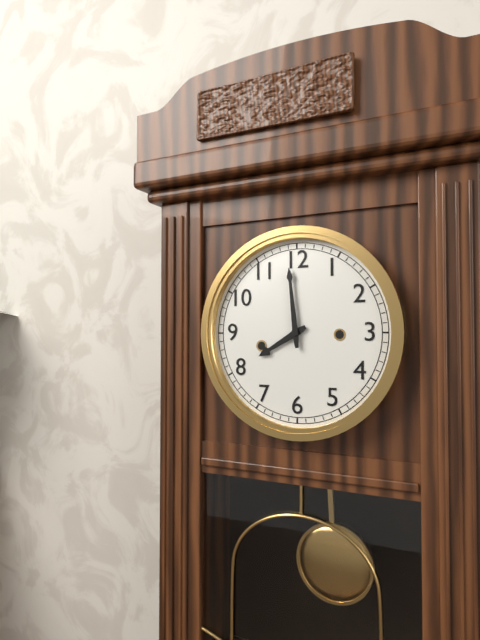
7:59
